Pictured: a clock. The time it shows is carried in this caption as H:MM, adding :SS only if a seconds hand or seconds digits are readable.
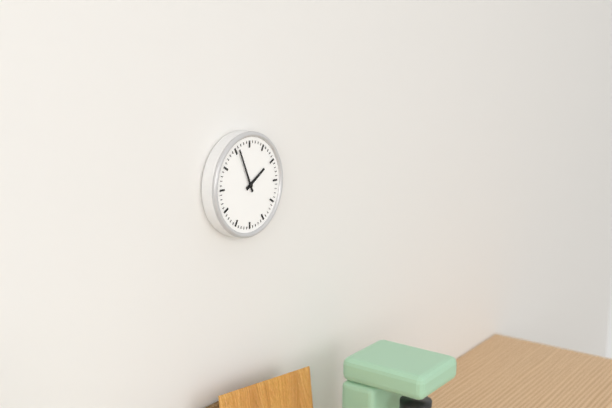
1:56
